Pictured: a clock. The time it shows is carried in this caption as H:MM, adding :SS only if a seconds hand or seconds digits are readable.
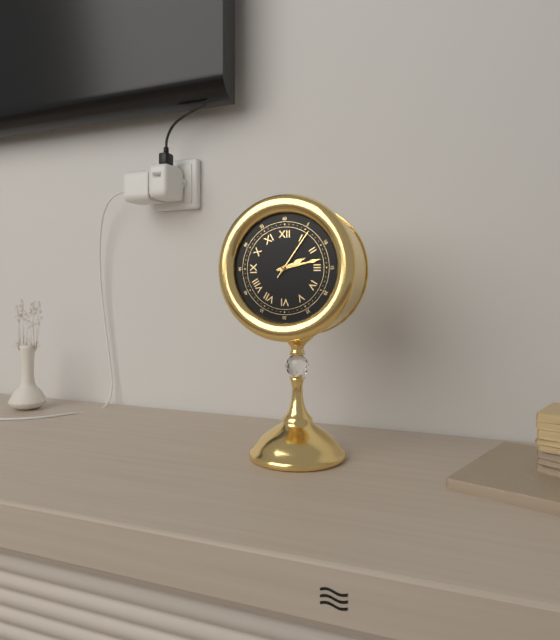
2:13:06
